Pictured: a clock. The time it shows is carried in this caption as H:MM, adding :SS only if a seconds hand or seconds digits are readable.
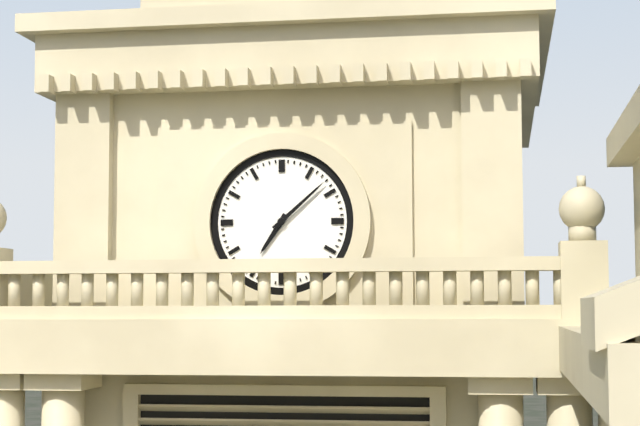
7:08
